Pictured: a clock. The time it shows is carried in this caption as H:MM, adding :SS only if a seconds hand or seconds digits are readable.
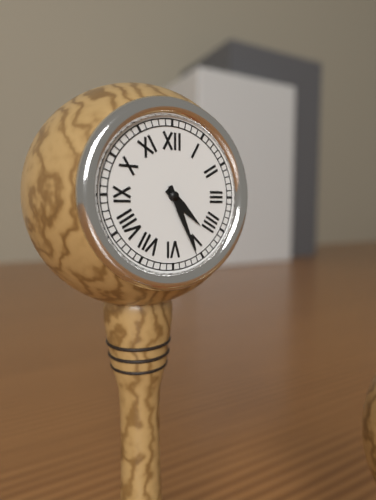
4:26
